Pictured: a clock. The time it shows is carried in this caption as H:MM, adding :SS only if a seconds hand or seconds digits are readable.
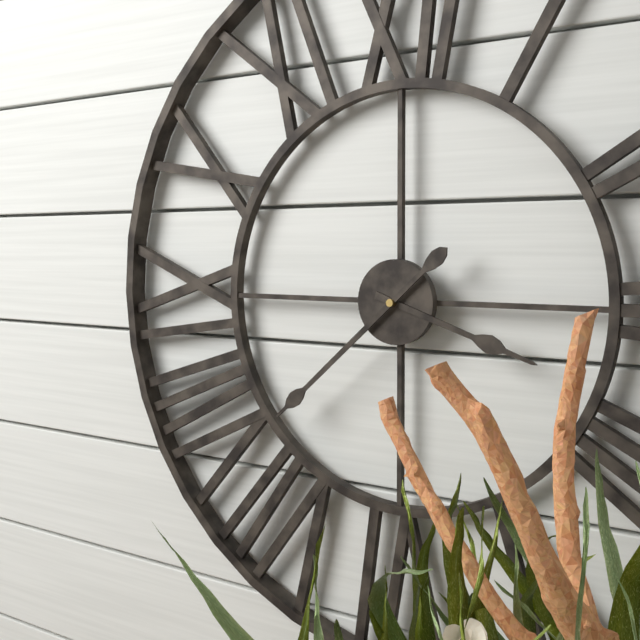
3:38
